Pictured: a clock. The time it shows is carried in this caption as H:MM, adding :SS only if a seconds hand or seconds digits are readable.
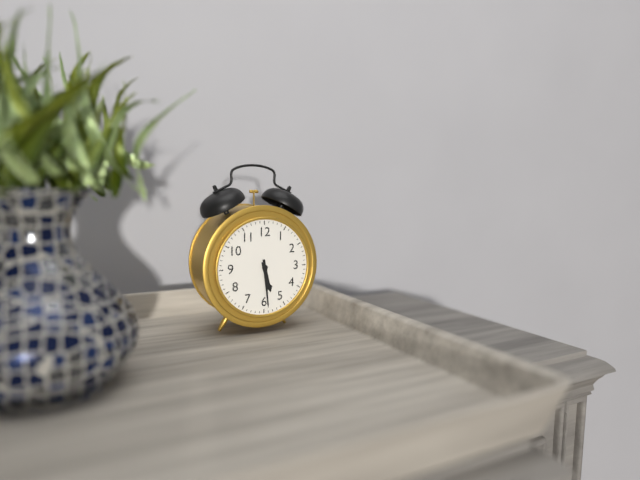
5:29
